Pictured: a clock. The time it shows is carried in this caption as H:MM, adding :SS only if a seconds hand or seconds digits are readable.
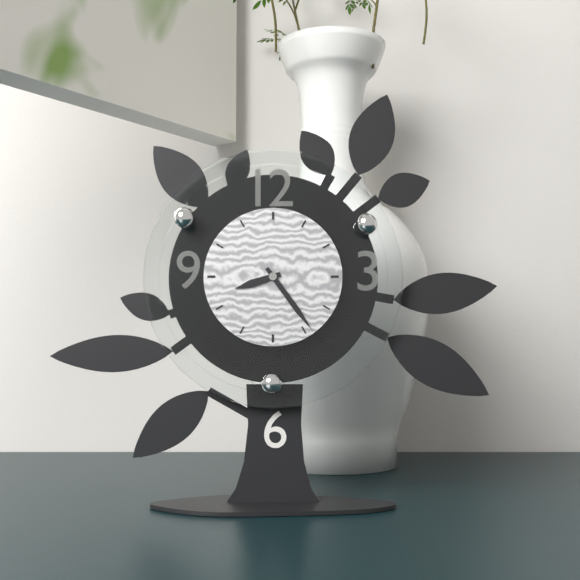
8:24
